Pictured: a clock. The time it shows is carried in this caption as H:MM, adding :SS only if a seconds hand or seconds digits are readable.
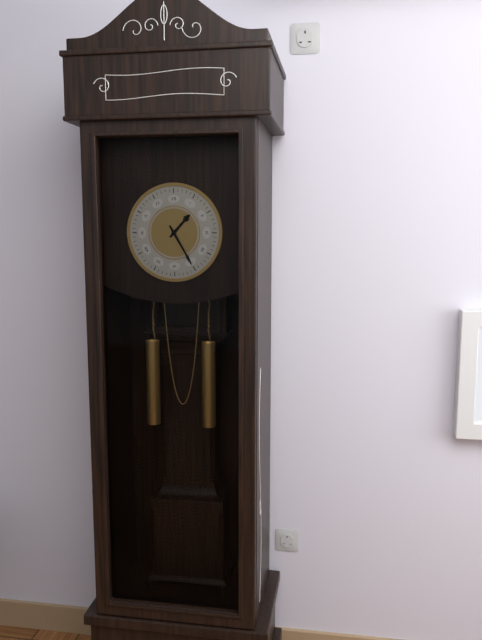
1:25
